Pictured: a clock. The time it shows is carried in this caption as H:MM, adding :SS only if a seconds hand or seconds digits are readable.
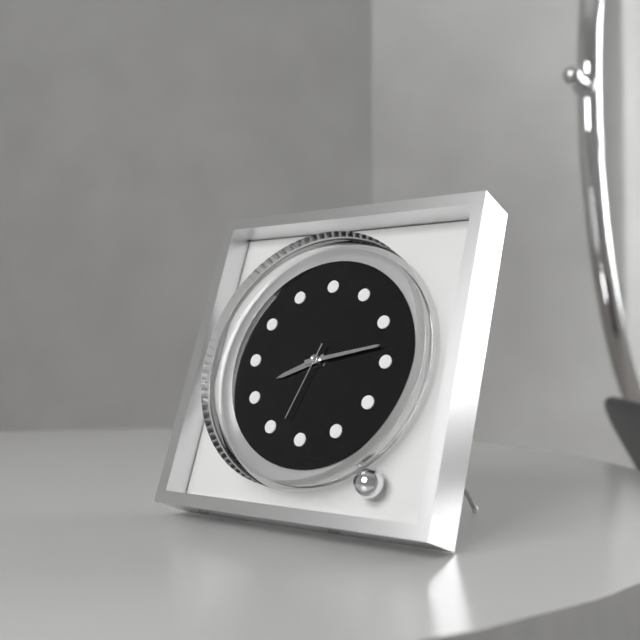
8:13:33
